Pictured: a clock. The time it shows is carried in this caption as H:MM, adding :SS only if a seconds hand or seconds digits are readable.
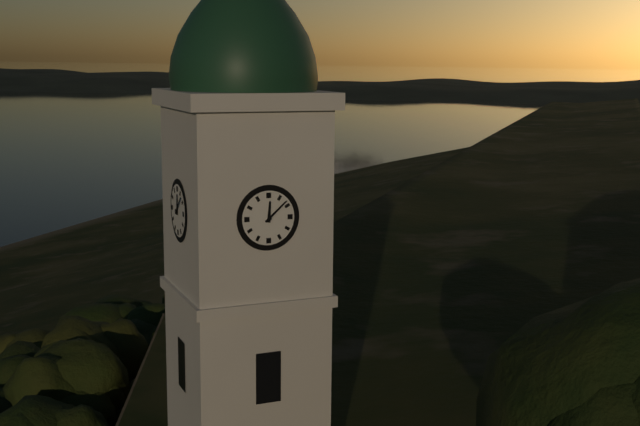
12:08
